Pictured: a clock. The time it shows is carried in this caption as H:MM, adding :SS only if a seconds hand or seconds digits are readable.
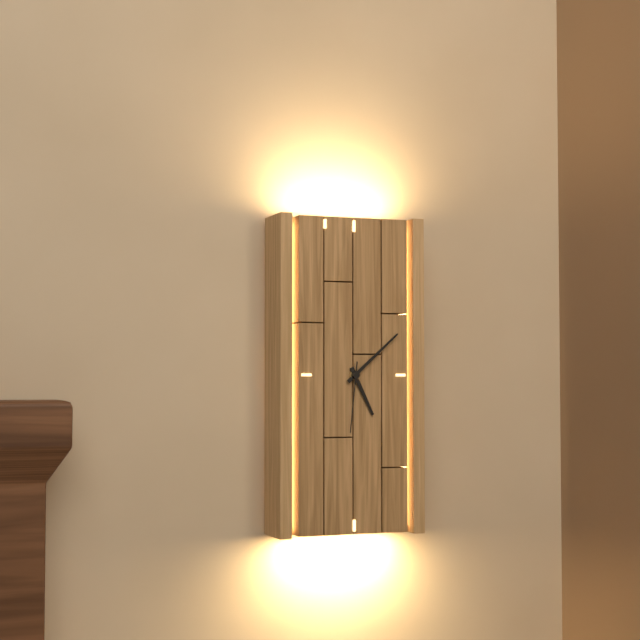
5:08:31
